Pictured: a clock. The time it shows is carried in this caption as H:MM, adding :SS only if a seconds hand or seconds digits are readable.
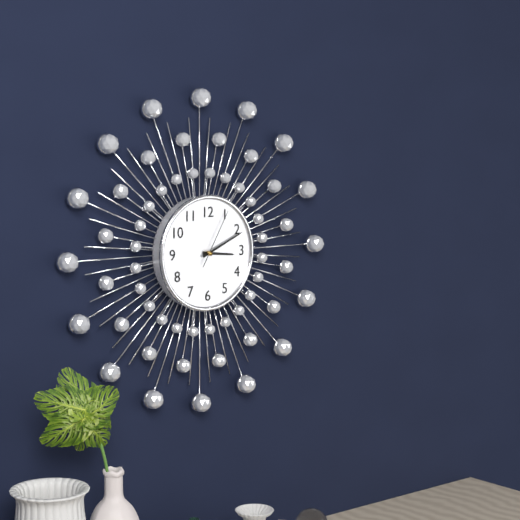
3:11:05
